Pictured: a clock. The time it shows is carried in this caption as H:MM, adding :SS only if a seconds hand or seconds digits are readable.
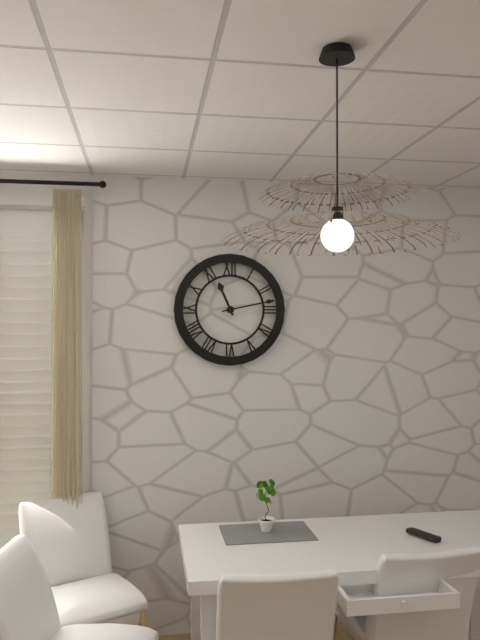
11:13
